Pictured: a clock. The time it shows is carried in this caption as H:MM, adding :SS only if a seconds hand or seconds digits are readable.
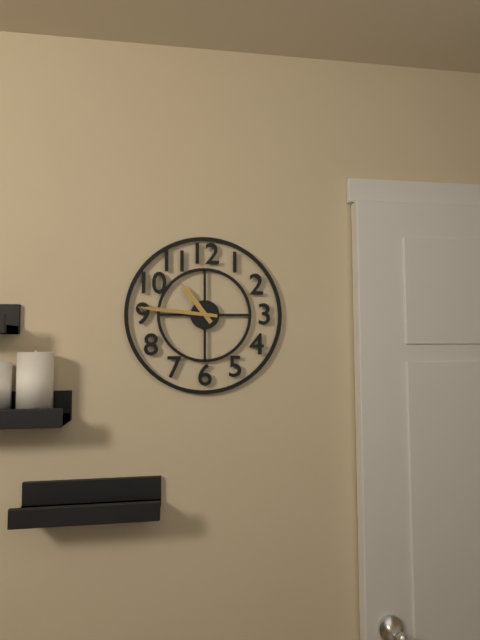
10:46
